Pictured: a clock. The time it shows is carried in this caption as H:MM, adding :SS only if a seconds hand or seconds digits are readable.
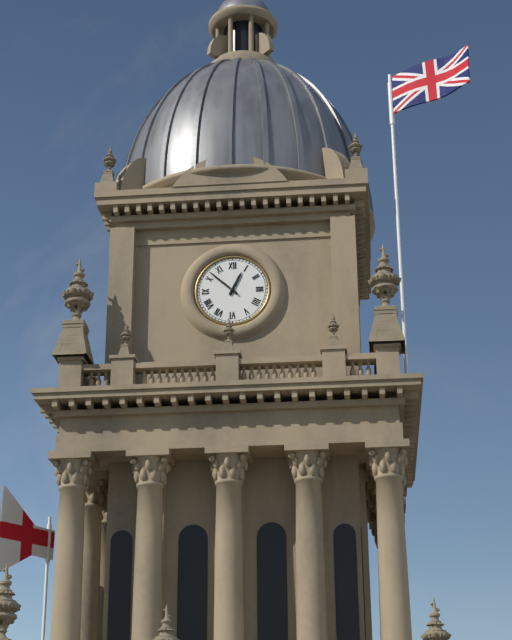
12:52
